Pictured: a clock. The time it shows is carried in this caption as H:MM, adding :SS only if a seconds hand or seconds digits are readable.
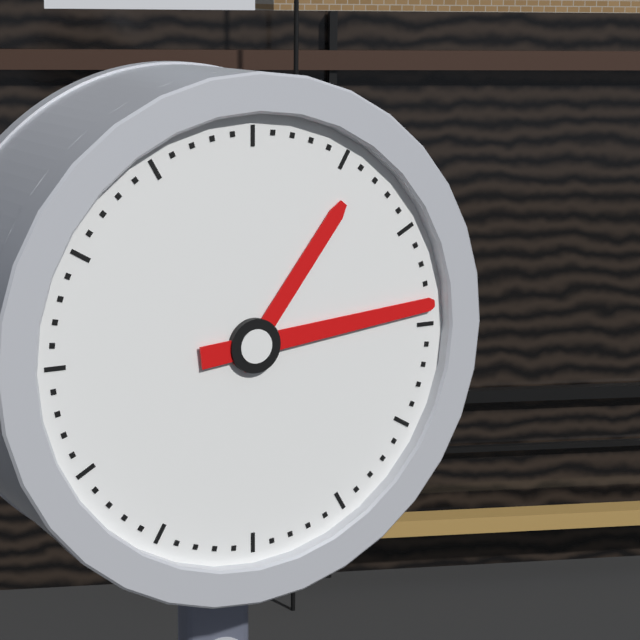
1:14
